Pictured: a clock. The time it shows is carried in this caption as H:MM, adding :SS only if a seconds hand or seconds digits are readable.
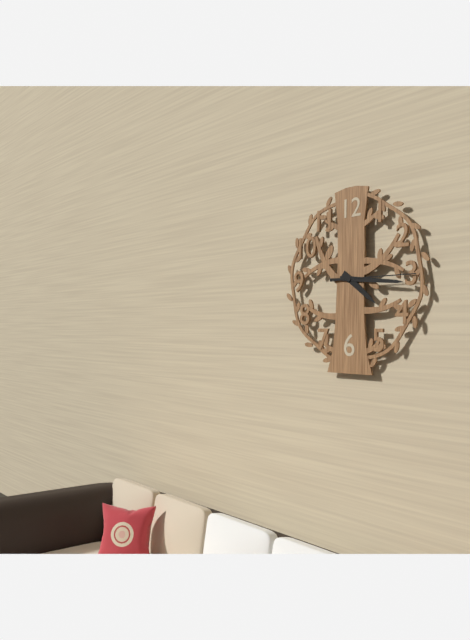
4:16:15
